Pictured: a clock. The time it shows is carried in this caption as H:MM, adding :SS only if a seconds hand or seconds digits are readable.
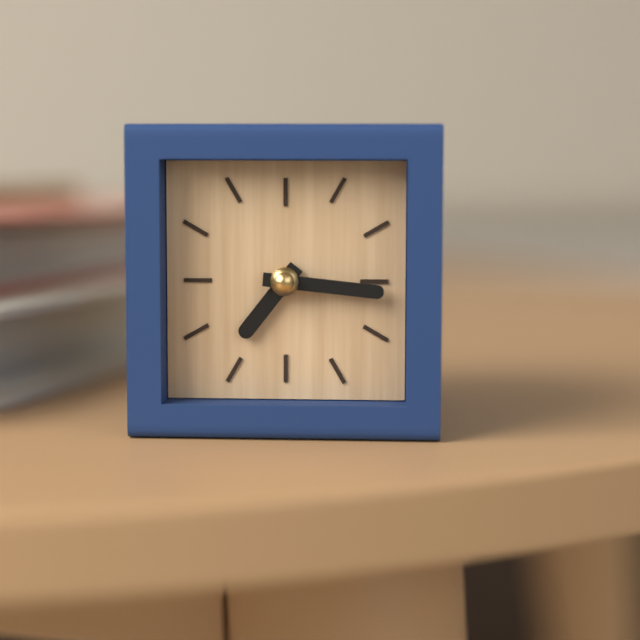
7:16
